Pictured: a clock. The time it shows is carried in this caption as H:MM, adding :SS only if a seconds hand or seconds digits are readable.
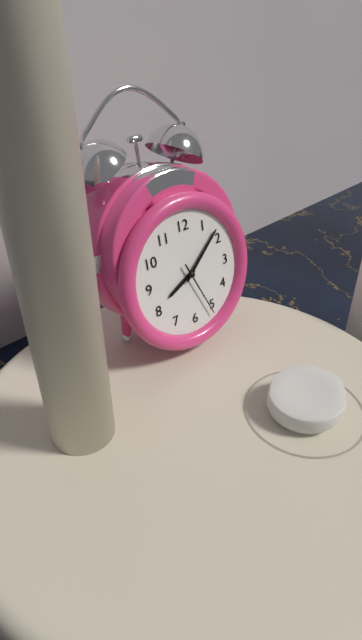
8:08:26
